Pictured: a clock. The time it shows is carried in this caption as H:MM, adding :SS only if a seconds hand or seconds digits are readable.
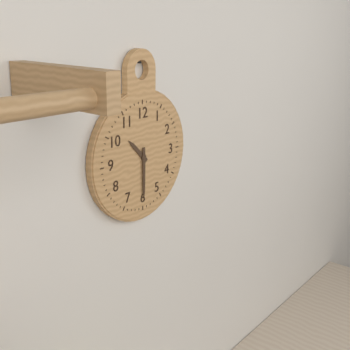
10:30
